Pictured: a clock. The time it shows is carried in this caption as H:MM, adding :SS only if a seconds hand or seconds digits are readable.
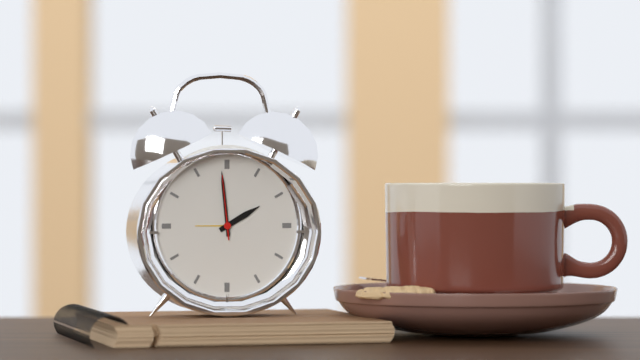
1:59:59
